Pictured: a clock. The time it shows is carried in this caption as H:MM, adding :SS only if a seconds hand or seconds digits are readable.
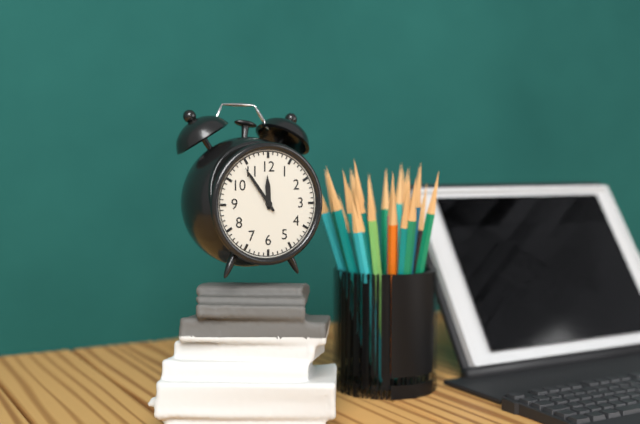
11:54
